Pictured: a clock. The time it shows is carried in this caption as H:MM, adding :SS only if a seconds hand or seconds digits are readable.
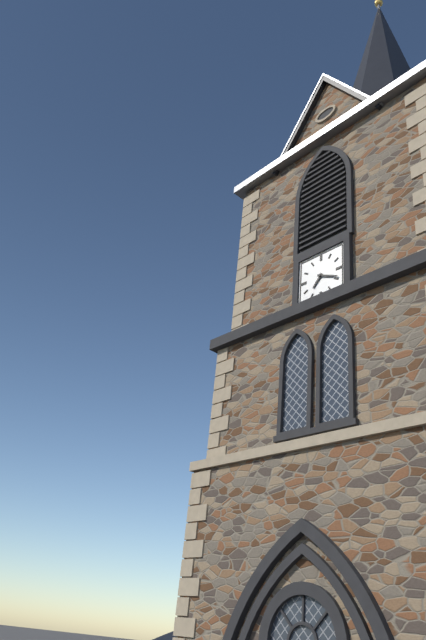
7:19
